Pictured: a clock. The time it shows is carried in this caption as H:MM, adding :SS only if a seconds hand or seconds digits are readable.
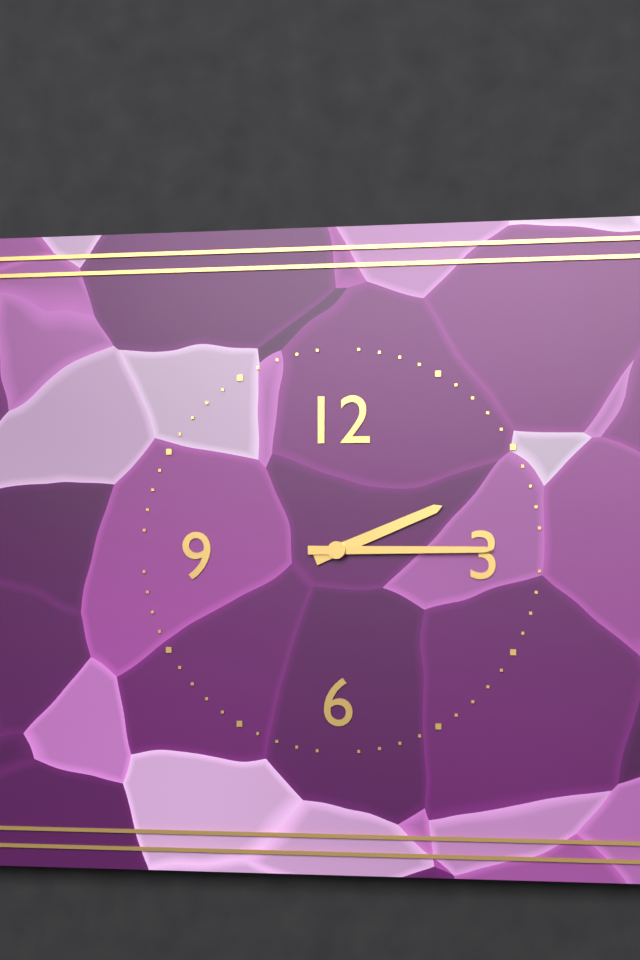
2:15
